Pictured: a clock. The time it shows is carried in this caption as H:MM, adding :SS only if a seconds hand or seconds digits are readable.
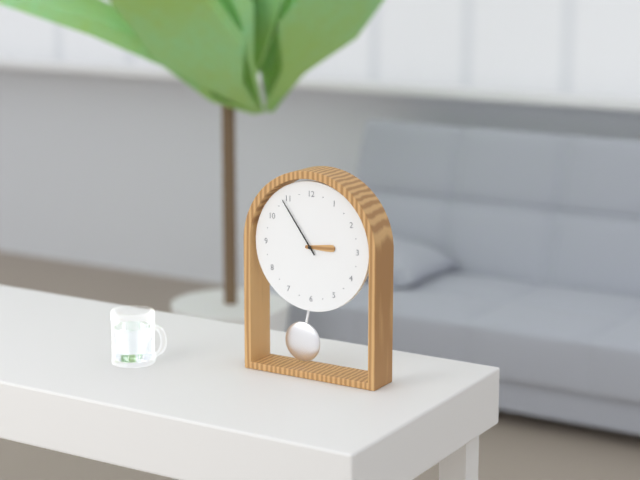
2:54
